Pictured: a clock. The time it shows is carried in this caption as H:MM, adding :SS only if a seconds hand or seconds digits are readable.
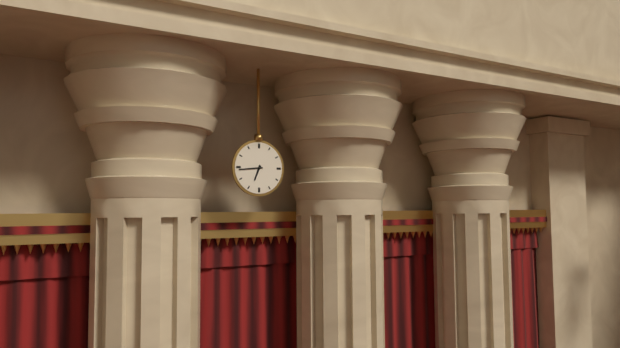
6:44
